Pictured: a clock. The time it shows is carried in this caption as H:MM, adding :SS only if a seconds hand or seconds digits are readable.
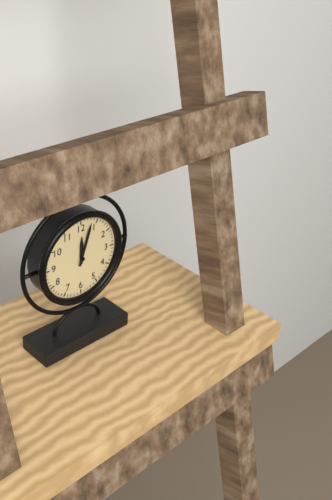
12:03
